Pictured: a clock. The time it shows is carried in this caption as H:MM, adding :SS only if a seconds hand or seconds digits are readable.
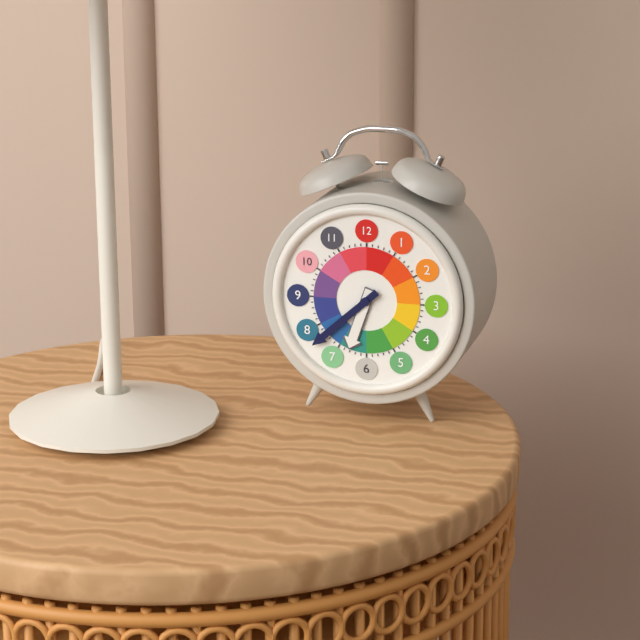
6:38
